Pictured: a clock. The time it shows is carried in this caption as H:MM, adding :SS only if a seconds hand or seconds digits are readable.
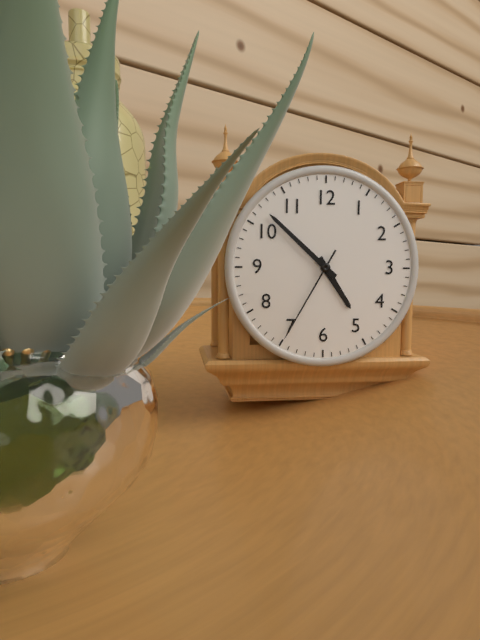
4:52:35
